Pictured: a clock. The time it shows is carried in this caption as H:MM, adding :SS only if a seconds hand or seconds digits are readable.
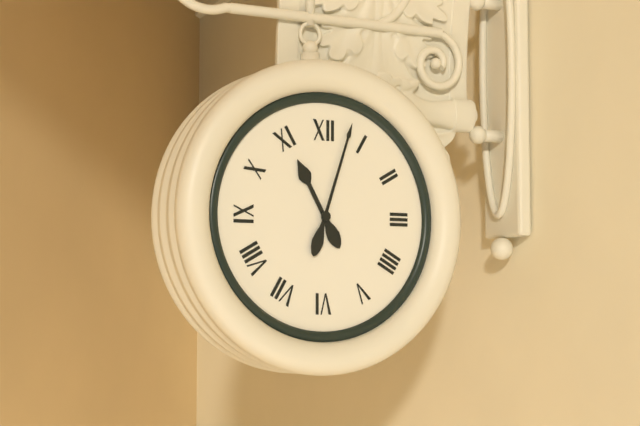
11:03
